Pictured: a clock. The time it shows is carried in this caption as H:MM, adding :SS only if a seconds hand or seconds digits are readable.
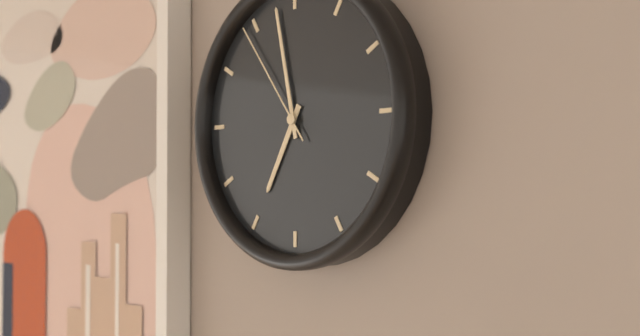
6:58:54
